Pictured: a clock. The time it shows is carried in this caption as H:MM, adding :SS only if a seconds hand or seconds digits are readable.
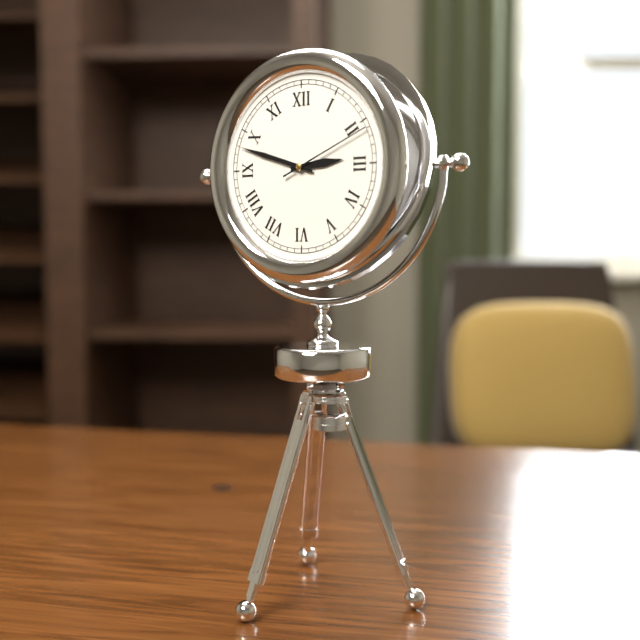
2:48:11
